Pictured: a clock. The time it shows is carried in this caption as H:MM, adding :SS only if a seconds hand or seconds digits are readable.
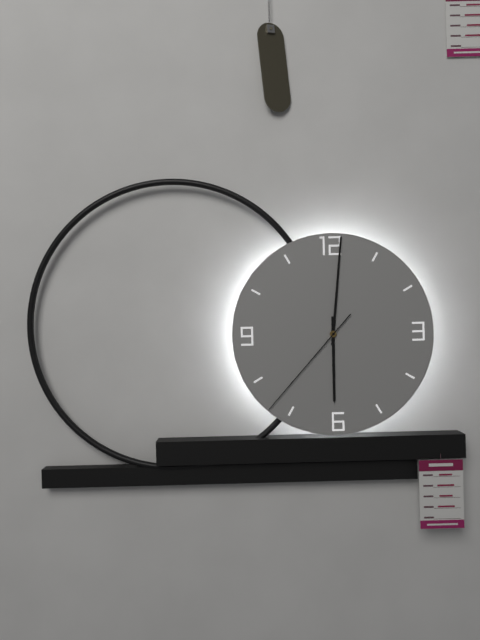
6:01:37
